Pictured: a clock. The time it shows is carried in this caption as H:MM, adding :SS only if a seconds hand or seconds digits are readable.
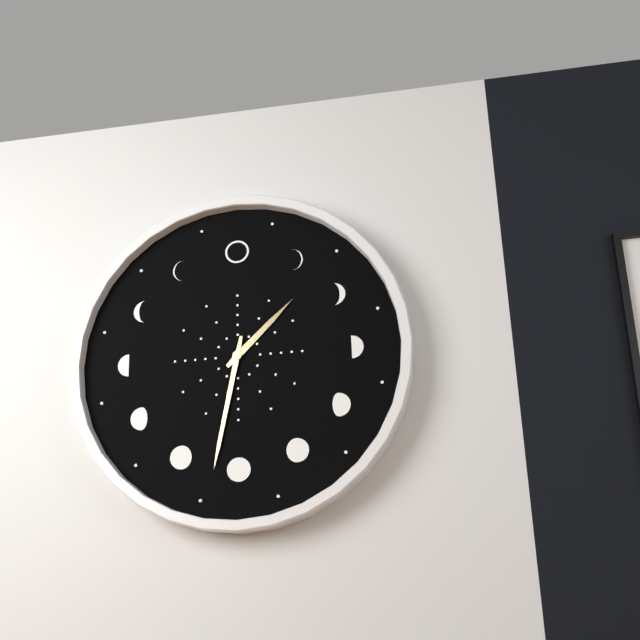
1:32
